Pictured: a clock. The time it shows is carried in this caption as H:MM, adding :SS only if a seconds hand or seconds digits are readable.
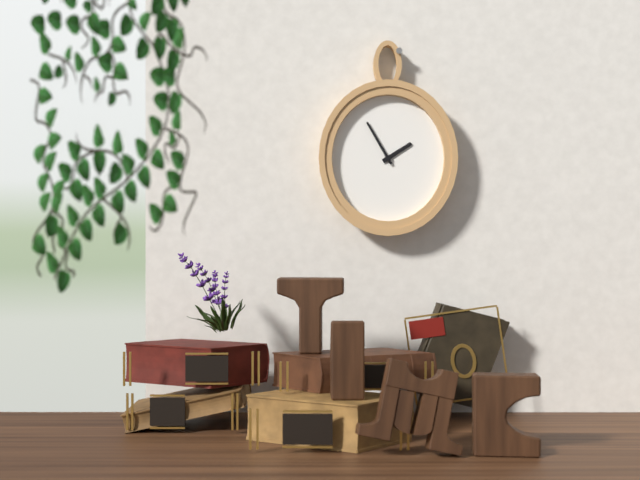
1:55
